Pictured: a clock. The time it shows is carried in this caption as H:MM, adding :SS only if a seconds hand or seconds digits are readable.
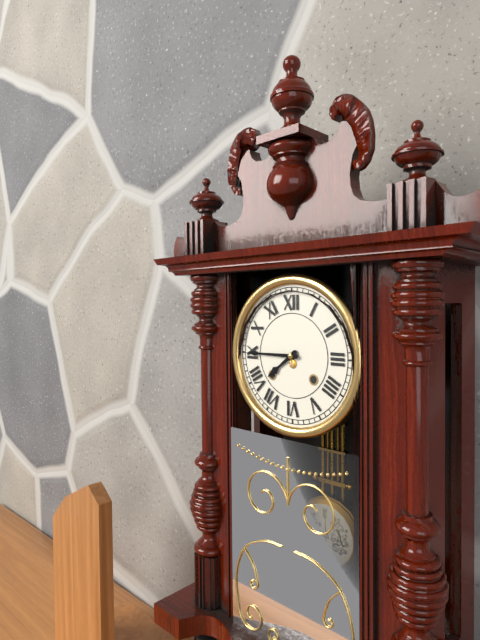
7:45
